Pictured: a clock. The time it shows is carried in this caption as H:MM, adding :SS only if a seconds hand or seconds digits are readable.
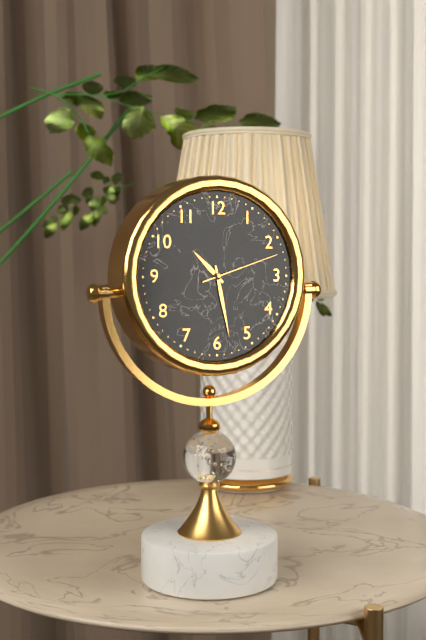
10:28:12
